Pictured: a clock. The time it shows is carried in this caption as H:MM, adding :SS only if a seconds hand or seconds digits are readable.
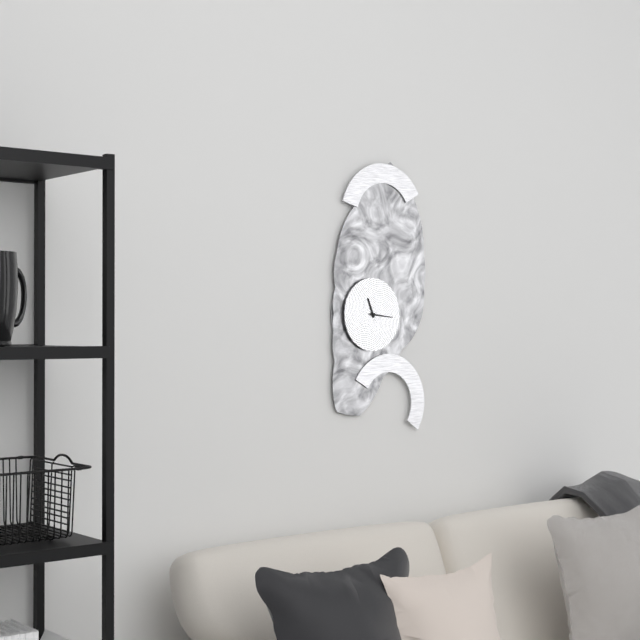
11:16
